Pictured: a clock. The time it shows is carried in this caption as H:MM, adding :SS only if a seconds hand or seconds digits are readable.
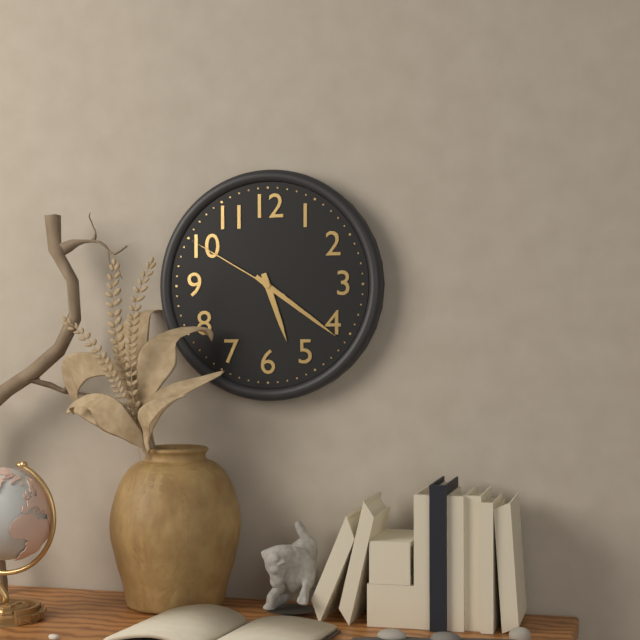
5:21:50
